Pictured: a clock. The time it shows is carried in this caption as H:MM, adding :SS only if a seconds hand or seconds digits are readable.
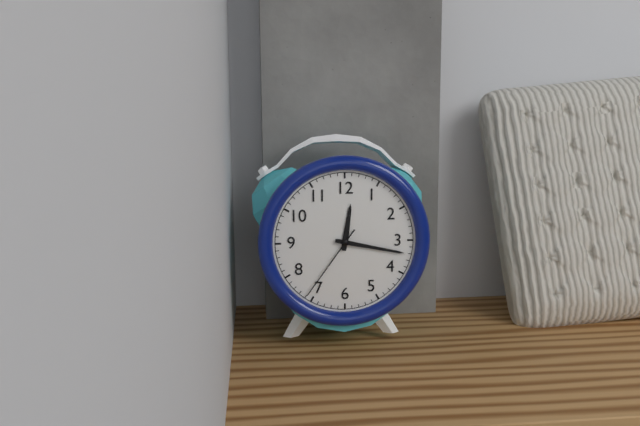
12:17:36
